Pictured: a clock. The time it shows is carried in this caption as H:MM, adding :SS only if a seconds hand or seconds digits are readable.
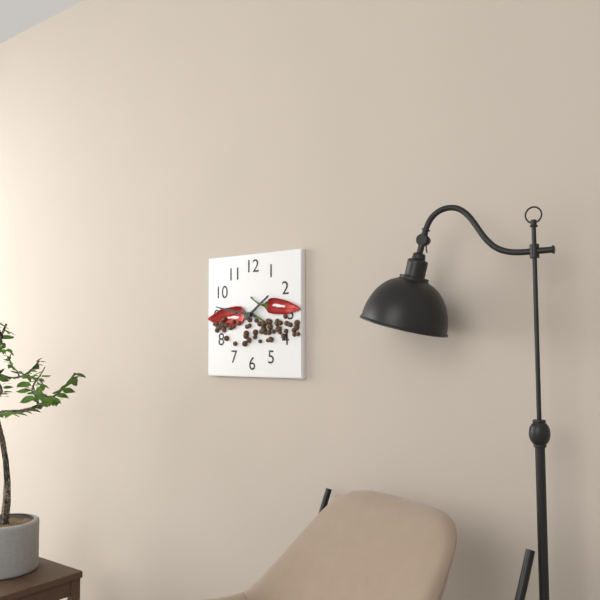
1:47
